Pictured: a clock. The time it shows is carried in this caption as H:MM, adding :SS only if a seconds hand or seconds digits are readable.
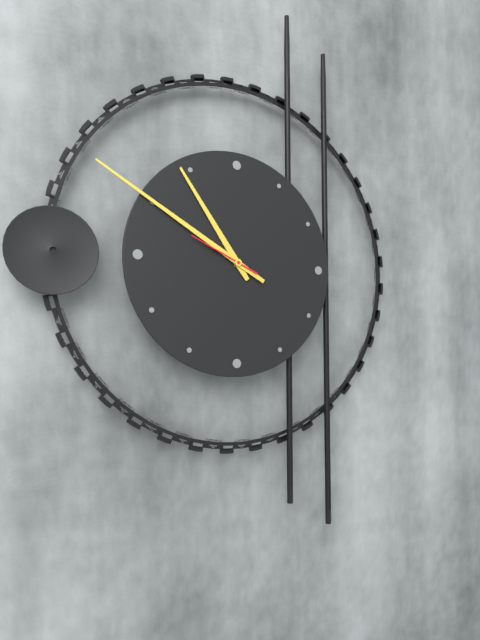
10:50:49
